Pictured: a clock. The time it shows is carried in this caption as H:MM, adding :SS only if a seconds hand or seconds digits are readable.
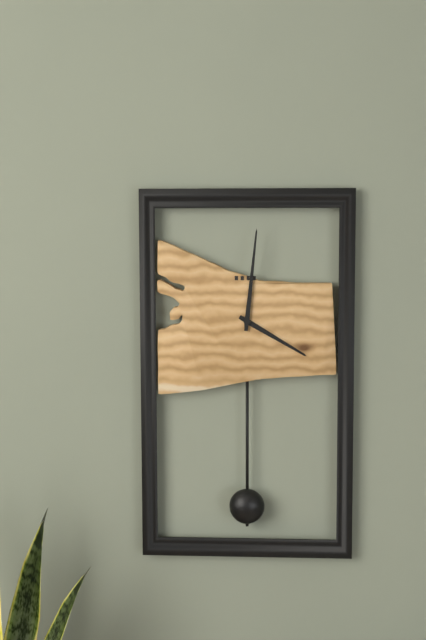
4:01
